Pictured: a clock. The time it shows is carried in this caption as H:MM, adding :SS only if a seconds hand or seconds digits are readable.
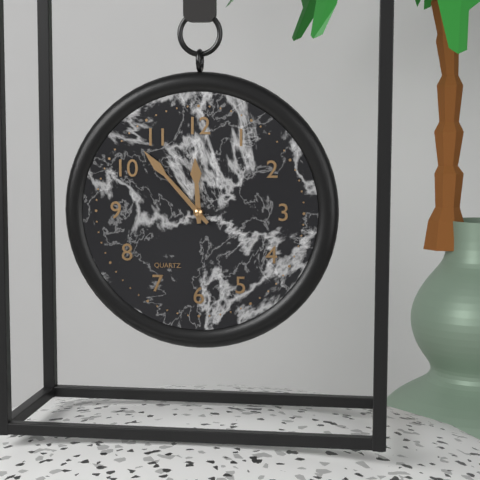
11:53
